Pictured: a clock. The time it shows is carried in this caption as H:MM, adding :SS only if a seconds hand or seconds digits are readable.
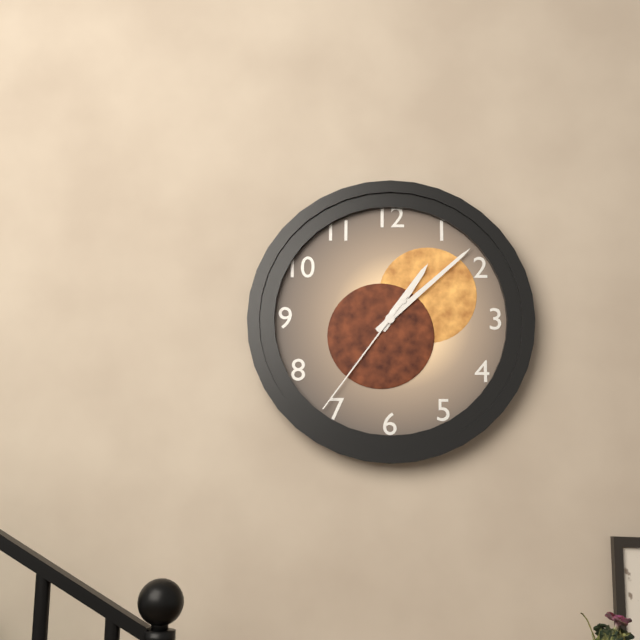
1:08:36
